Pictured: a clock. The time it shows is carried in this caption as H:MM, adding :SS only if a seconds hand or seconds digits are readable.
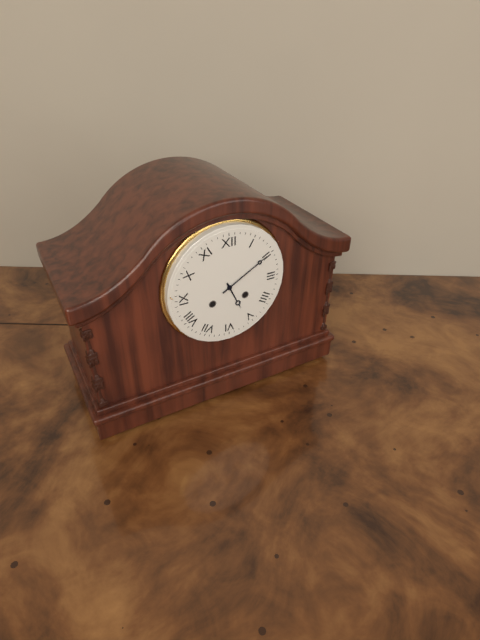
5:10
